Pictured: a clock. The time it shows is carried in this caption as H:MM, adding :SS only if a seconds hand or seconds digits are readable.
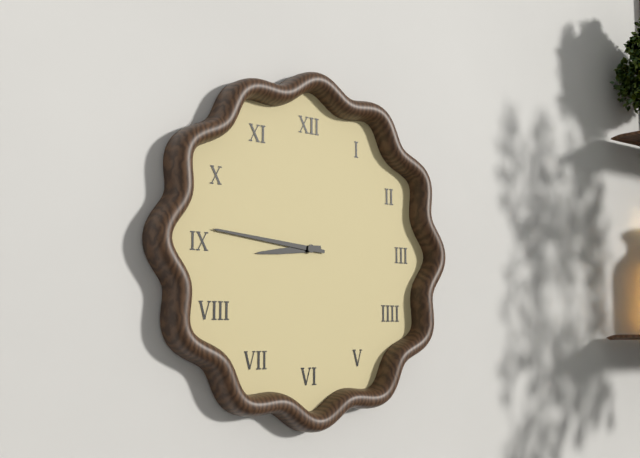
8:46
